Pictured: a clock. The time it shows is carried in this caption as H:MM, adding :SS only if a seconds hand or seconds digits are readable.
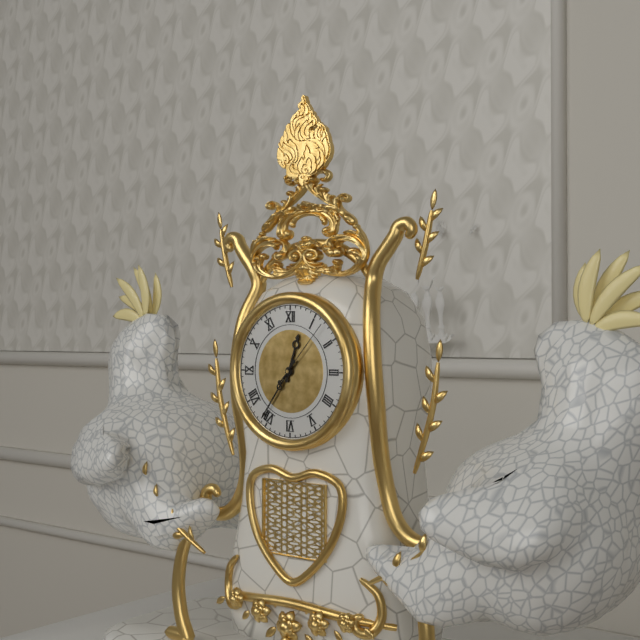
12:36:07
